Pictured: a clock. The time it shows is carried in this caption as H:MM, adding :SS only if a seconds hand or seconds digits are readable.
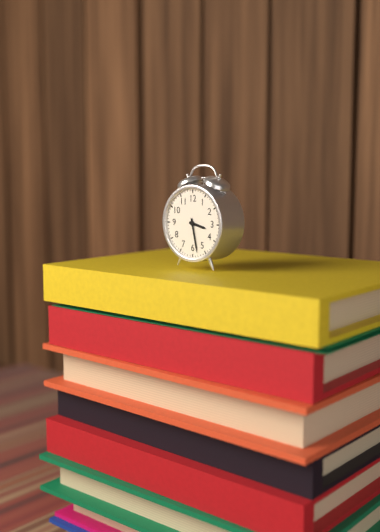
3:28
